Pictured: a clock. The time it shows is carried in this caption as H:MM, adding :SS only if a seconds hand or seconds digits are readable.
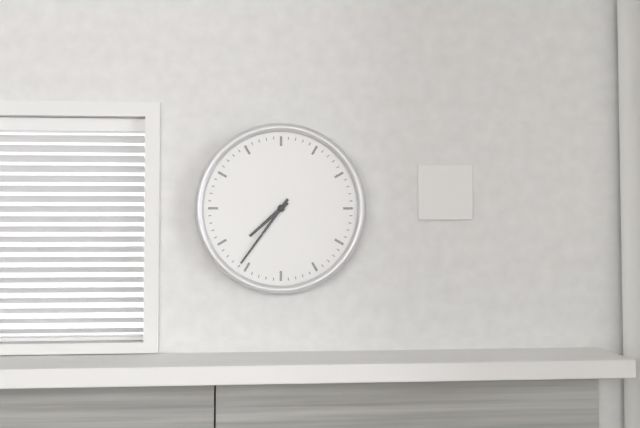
7:36
